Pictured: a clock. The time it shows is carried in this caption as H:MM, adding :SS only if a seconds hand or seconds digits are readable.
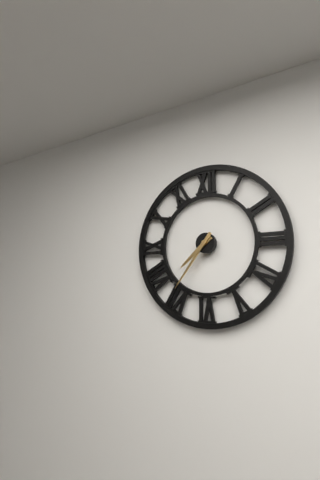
7:36
